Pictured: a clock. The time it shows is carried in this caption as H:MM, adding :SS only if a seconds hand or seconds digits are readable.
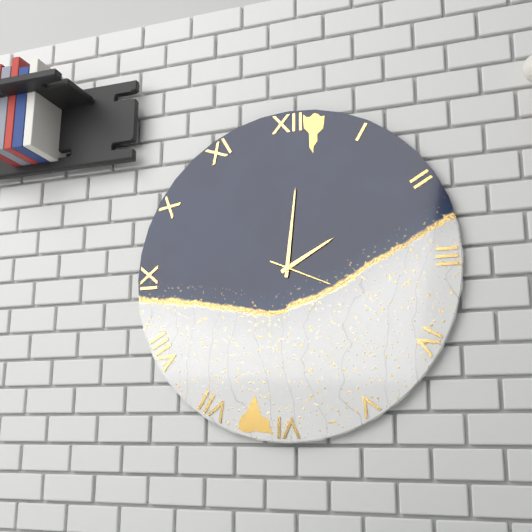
2:01:19
